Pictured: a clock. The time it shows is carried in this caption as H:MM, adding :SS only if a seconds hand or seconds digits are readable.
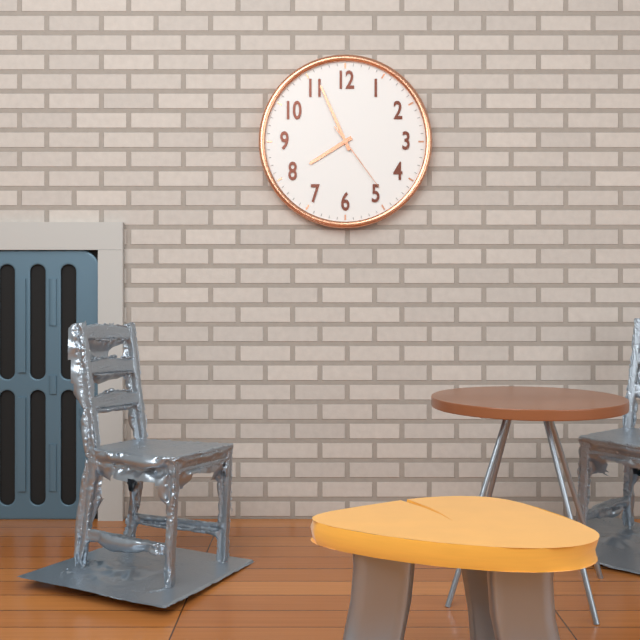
7:56:24
